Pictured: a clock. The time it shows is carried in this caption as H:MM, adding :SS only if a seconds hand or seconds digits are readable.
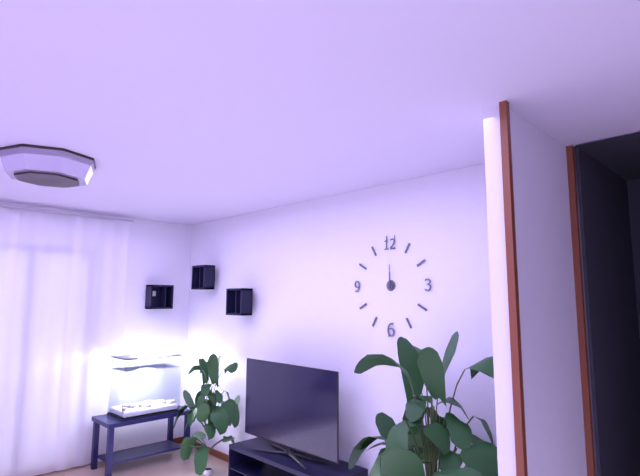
12:00
